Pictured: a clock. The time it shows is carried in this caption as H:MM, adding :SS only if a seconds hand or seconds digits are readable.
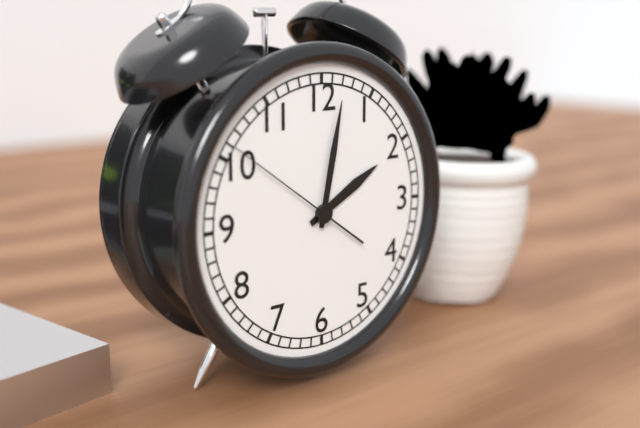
2:02:51
